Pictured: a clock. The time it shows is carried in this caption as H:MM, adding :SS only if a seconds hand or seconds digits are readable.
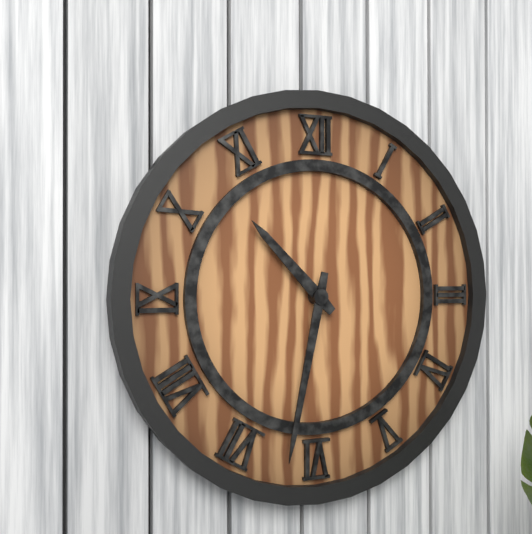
10:32
